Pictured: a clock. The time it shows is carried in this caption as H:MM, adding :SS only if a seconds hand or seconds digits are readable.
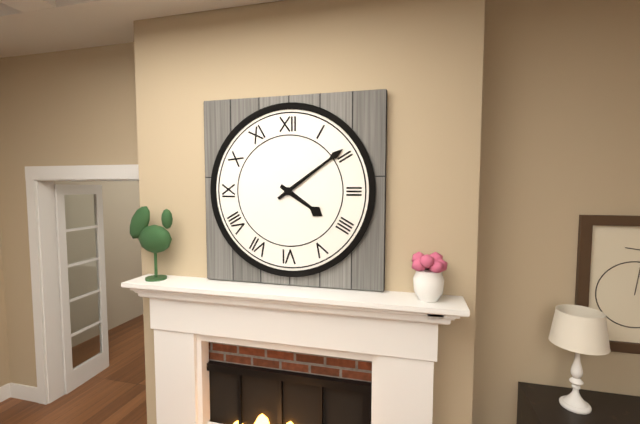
4:09
